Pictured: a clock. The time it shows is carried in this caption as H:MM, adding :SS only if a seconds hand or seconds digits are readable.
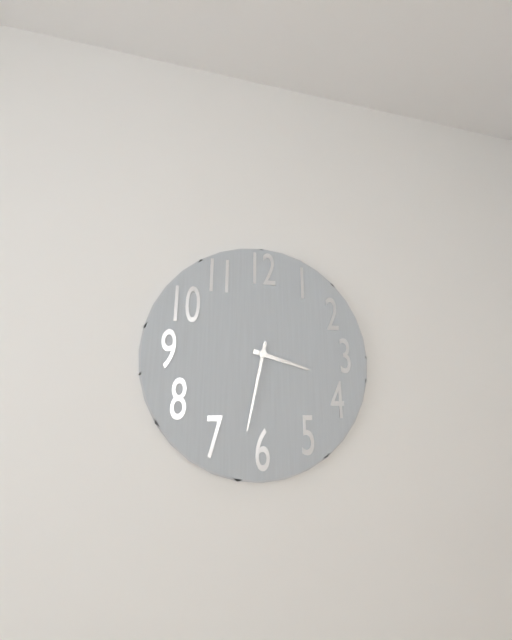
3:32
